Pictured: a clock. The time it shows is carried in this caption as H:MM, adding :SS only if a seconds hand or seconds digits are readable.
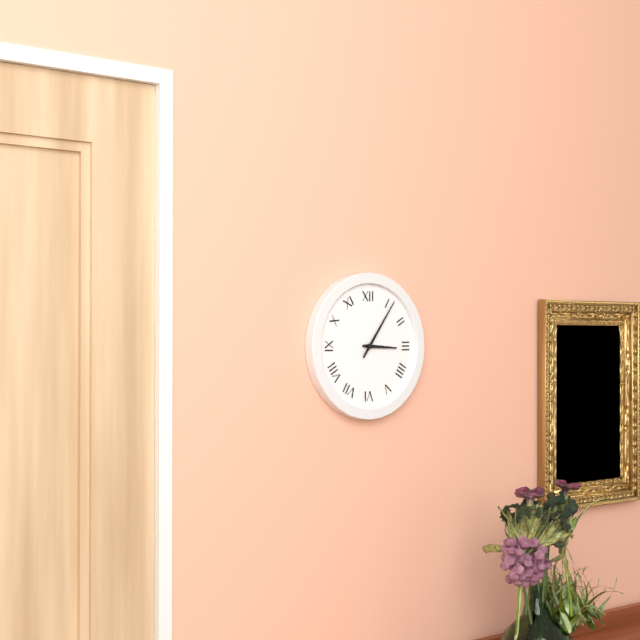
3:06
